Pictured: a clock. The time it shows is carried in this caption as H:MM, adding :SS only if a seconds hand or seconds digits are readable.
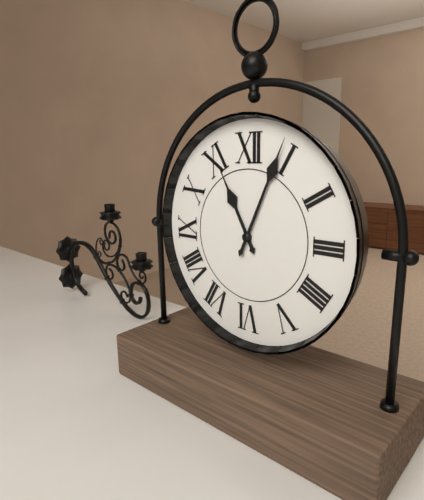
11:04
